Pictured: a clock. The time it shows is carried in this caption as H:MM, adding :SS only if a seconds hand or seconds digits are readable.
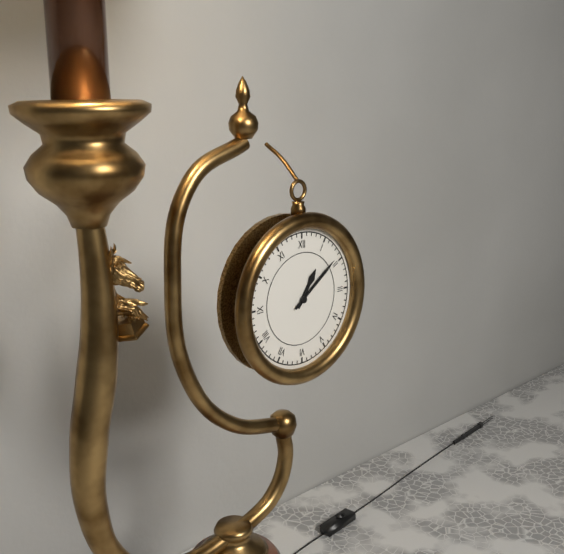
1:09
